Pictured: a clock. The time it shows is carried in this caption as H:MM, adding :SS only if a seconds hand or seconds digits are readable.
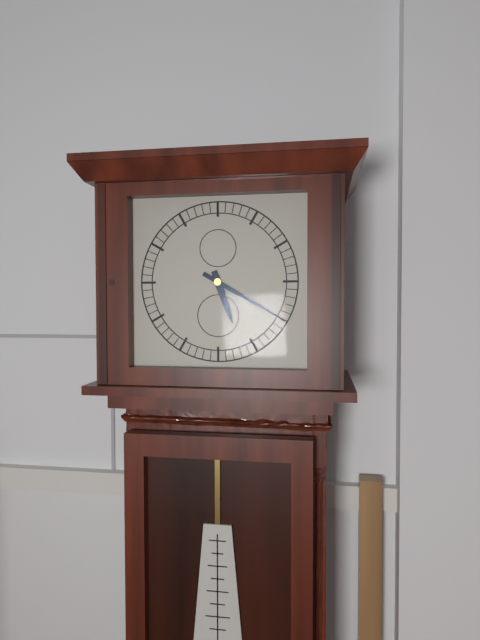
5:20
